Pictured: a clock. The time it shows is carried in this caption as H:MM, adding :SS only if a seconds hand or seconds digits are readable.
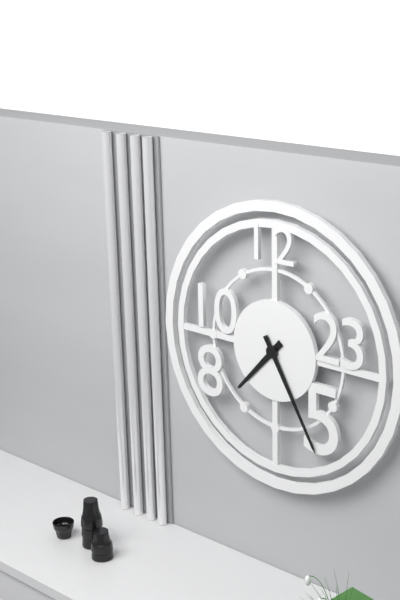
7:25
